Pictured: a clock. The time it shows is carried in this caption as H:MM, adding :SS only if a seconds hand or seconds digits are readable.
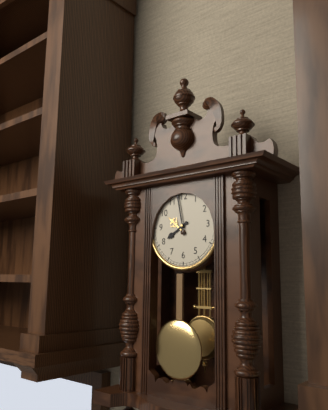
7:58
